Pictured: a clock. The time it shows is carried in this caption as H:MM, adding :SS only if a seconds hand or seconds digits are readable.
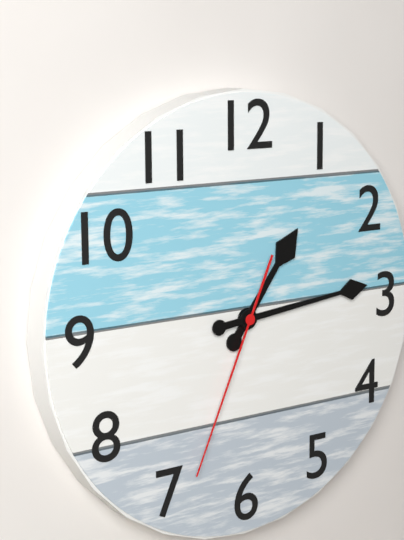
1:14:34
